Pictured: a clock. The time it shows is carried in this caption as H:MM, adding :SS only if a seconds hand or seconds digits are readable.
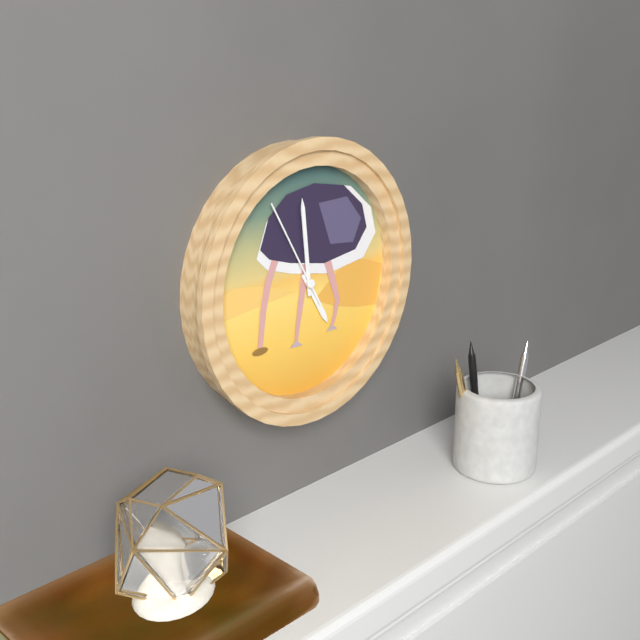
4:59:55
